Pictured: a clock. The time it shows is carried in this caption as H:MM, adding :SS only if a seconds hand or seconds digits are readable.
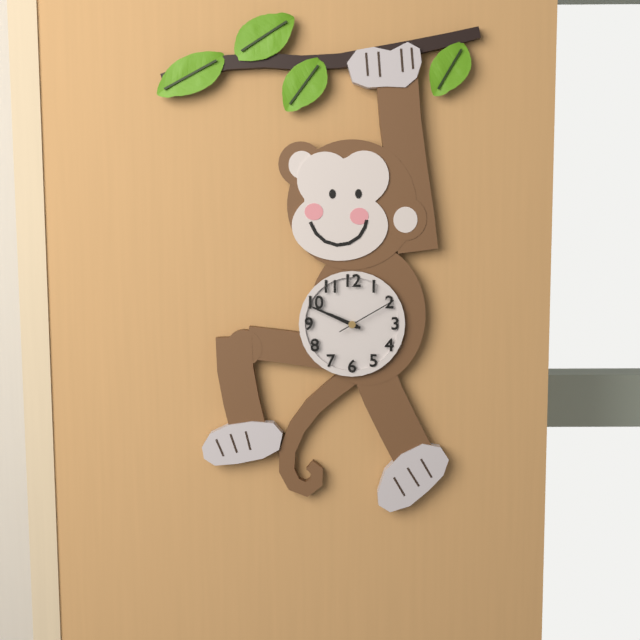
9:49:10
